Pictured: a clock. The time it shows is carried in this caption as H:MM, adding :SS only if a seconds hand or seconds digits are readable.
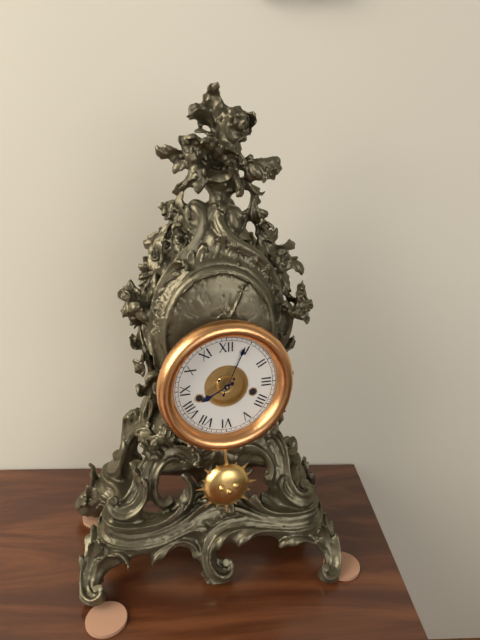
8:04
